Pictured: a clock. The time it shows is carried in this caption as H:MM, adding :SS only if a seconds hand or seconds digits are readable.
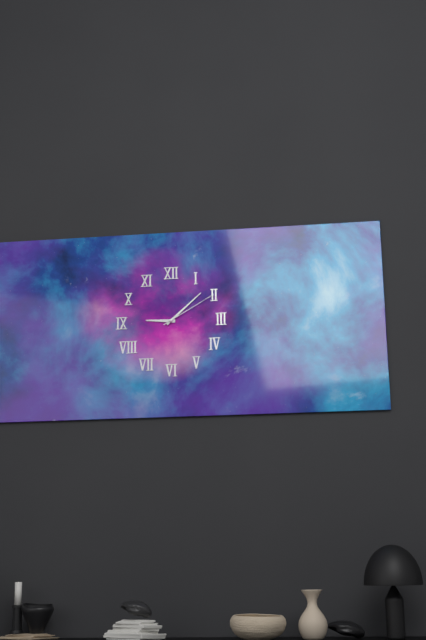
9:08:10
